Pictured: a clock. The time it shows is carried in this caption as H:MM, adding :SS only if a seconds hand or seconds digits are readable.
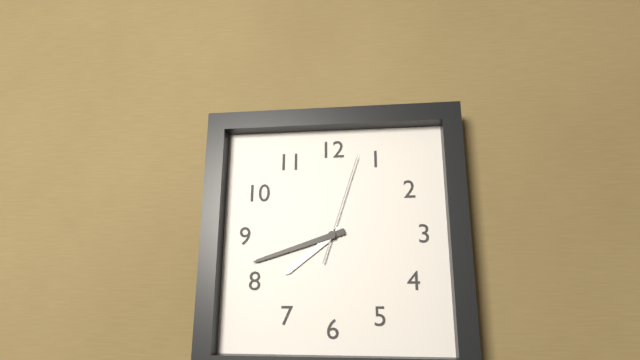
7:42:03
